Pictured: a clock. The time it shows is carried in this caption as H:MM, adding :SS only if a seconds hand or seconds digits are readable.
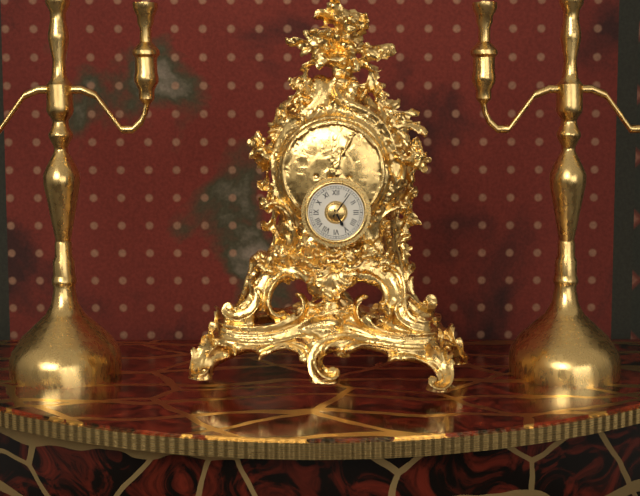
5:06
